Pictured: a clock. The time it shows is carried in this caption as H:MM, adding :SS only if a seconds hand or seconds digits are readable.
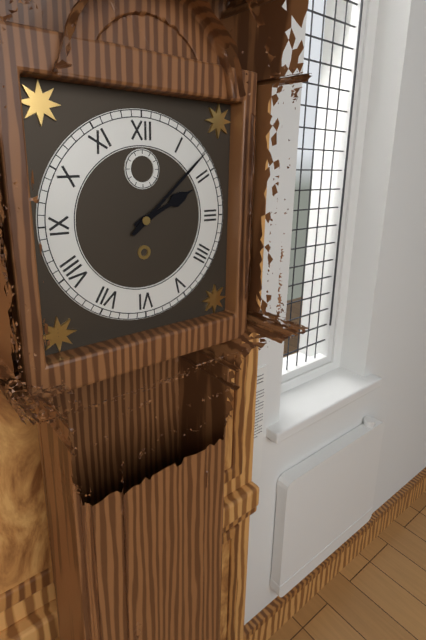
2:08
